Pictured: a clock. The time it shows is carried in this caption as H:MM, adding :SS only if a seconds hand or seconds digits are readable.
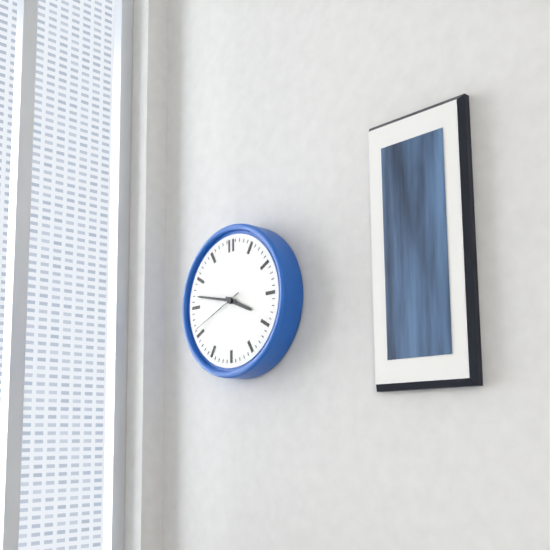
3:47:41
